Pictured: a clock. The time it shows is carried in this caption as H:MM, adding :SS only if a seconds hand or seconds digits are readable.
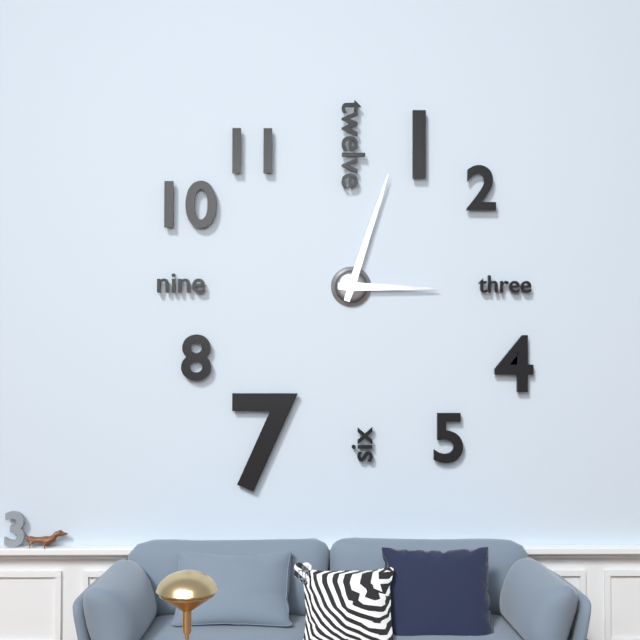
3:03
